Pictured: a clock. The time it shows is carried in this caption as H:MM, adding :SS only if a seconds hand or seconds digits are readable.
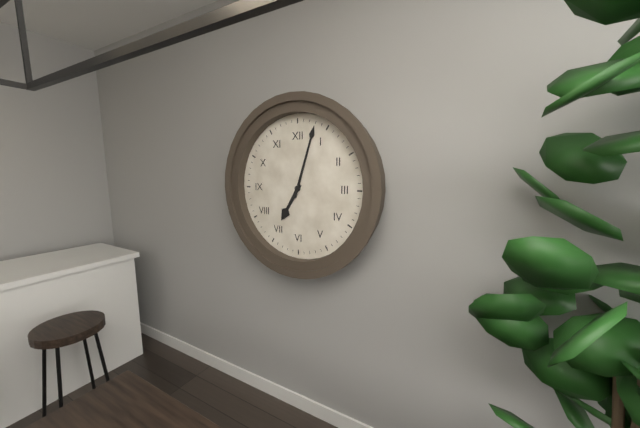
7:03
